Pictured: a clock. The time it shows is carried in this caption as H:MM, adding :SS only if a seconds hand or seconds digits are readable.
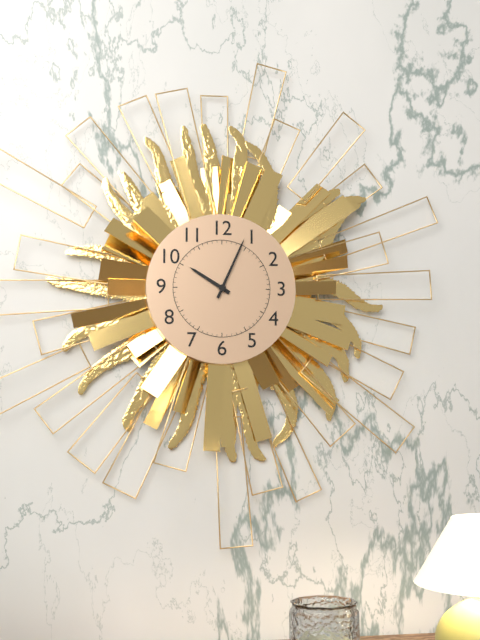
10:04
